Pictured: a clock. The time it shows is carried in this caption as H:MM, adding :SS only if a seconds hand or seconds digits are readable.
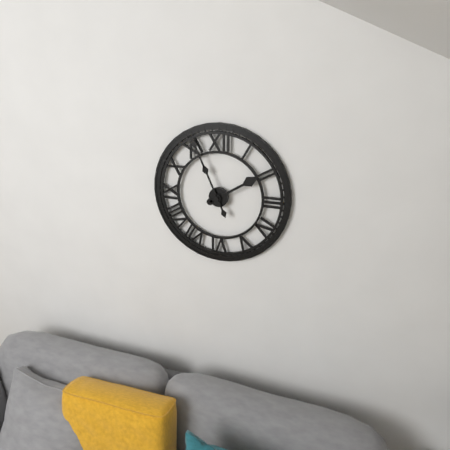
1:56
